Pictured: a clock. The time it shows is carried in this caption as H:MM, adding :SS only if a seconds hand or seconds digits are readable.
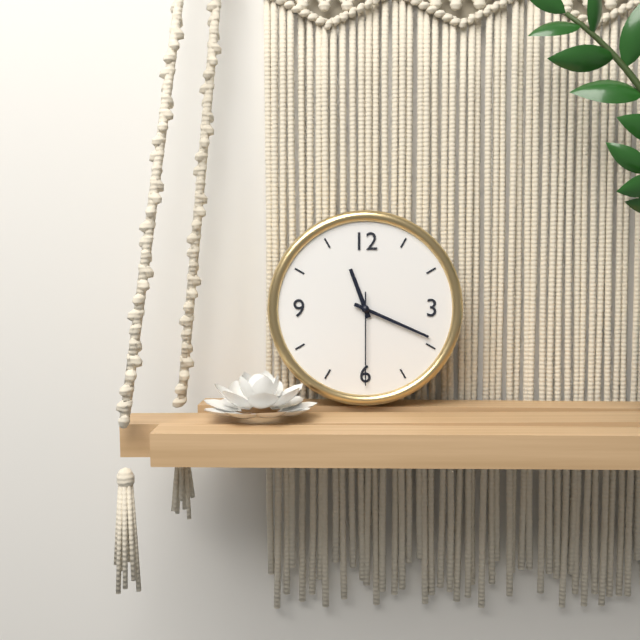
11:19:30
